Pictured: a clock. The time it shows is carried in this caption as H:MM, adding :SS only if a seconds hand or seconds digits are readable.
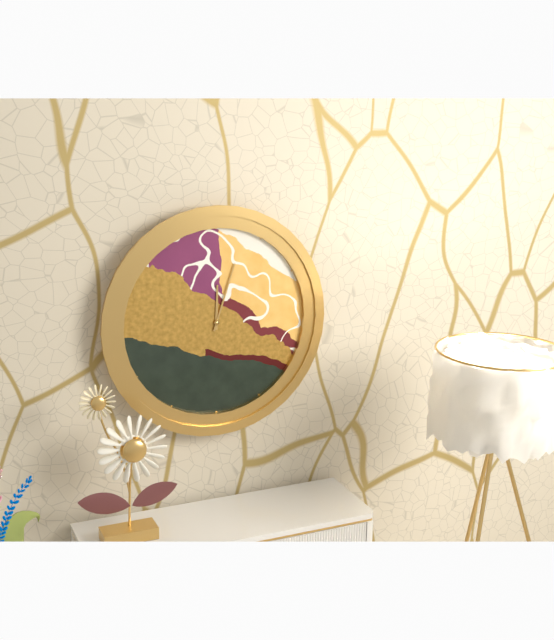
12:03
